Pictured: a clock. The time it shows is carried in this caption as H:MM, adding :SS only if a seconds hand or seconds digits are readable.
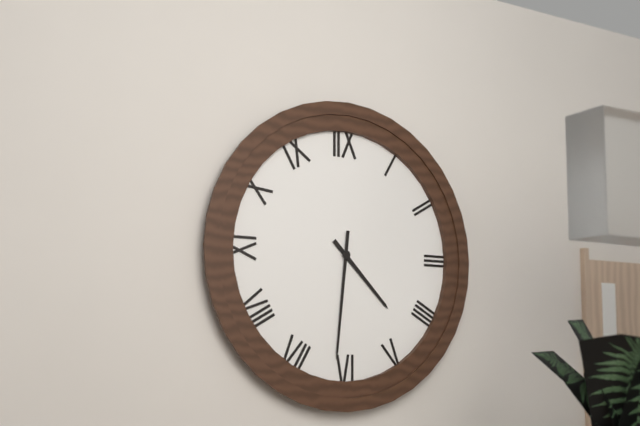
4:31
